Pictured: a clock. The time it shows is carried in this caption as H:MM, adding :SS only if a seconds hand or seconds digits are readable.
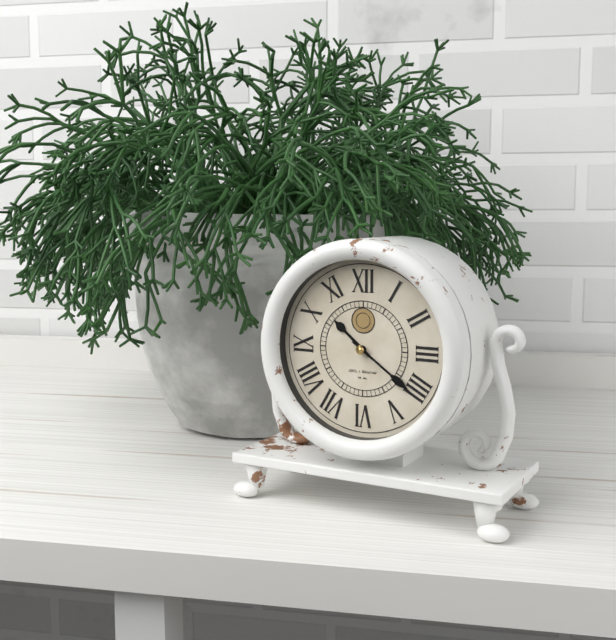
10:21
